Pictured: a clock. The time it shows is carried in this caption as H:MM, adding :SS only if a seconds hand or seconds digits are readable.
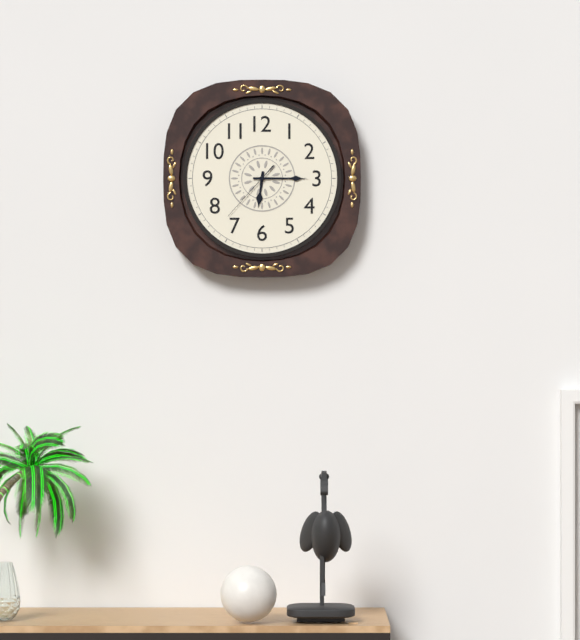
6:15:37
